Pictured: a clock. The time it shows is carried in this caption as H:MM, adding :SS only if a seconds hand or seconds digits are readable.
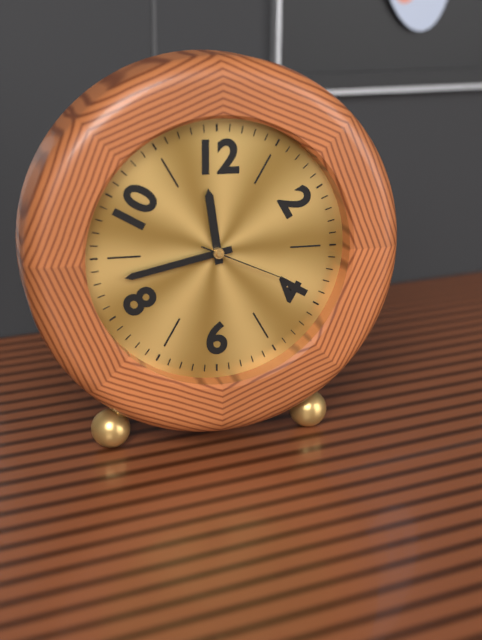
11:43:19
